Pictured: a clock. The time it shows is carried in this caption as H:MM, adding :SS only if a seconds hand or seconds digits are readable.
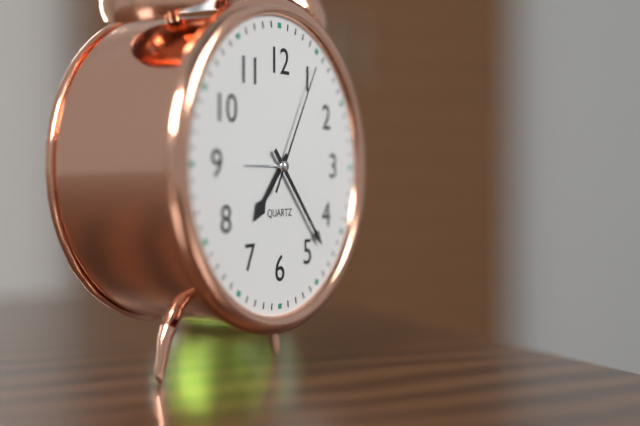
7:23:05
